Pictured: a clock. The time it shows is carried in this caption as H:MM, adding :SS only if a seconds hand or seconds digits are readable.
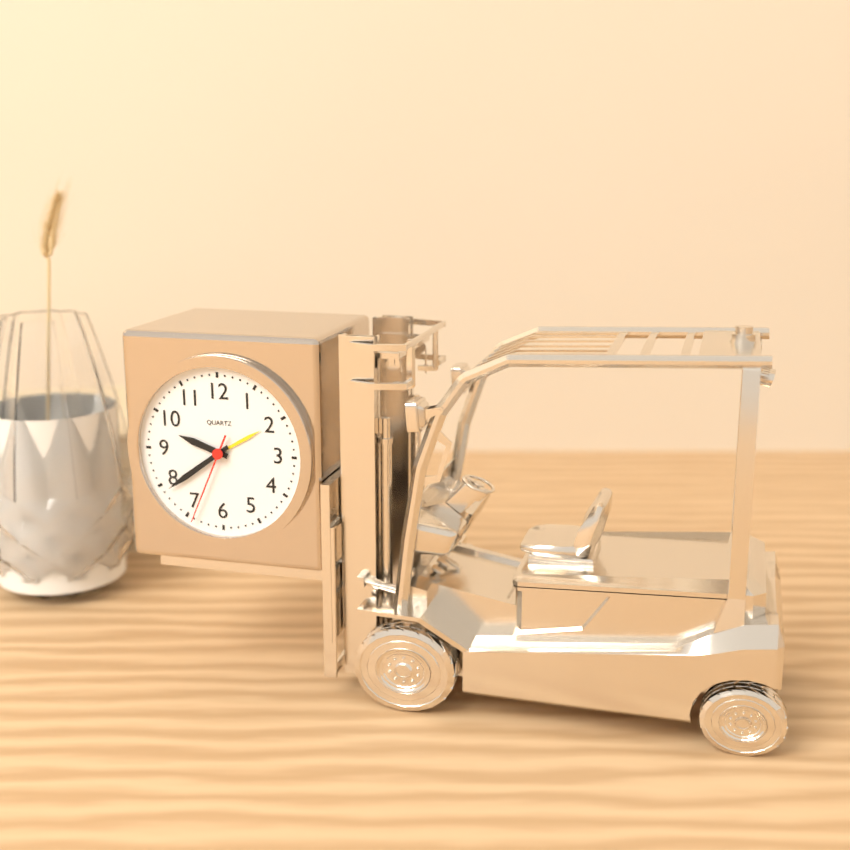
9:39:34
